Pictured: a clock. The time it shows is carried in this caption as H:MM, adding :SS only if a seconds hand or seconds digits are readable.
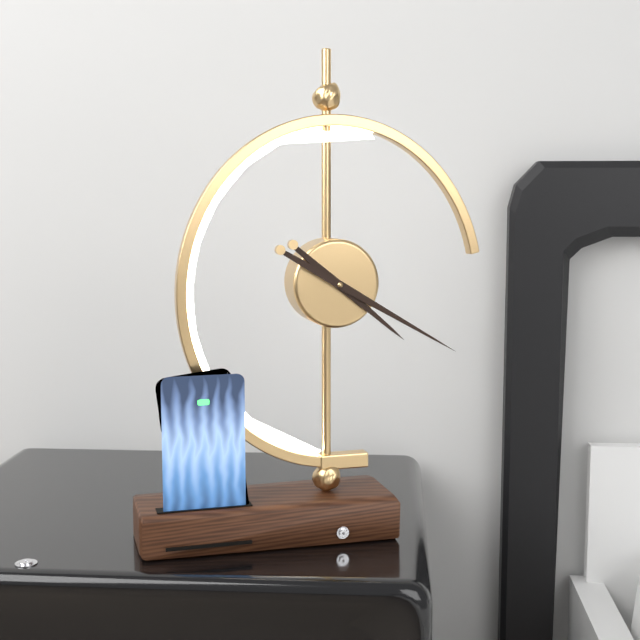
4:20
